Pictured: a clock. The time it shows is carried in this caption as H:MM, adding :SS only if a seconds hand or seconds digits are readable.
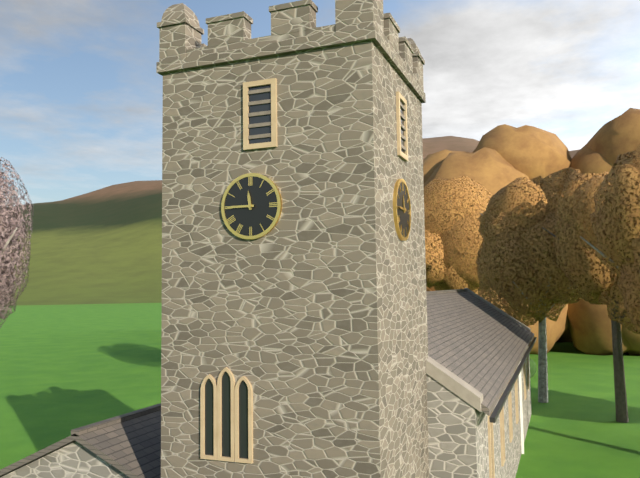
11:45
